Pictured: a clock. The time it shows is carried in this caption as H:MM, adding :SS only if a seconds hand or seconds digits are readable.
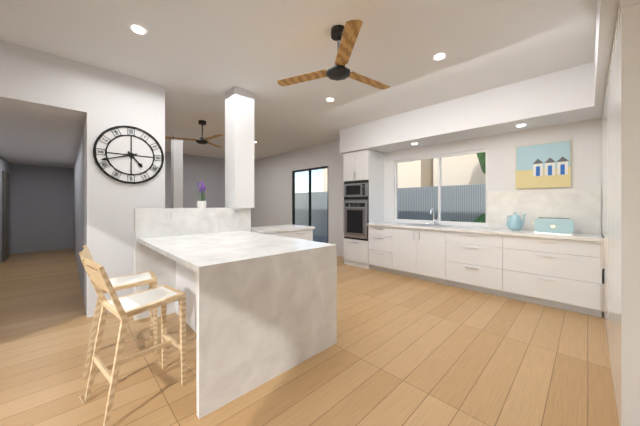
4:42
